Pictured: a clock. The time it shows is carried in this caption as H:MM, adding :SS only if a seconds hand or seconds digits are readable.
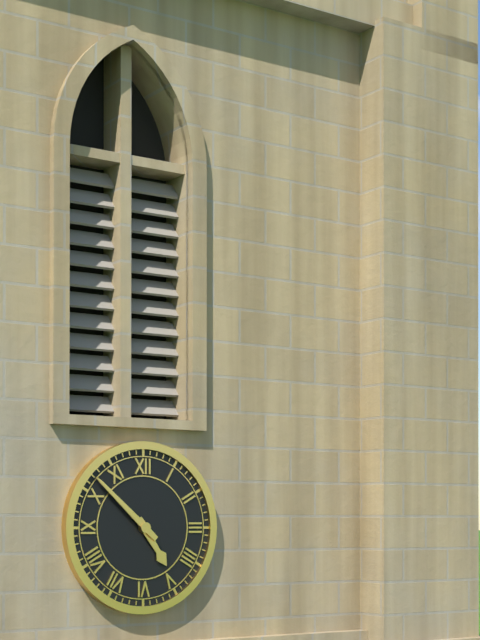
4:52
